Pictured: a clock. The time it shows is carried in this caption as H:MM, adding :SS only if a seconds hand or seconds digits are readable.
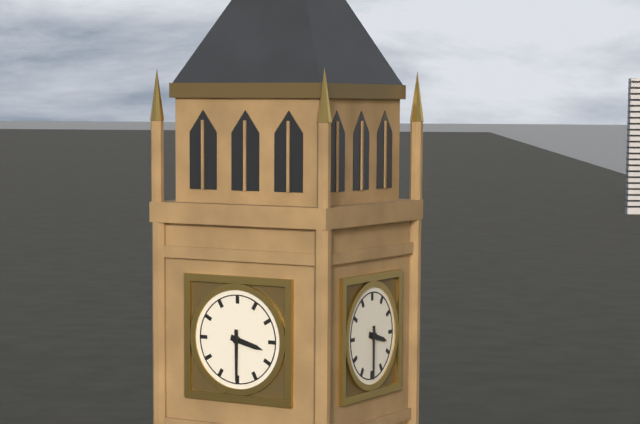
3:30
